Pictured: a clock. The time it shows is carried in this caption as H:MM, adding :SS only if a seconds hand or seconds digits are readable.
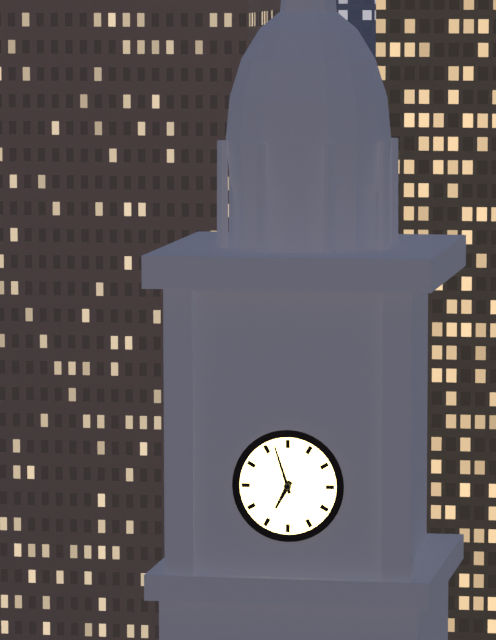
6:57
